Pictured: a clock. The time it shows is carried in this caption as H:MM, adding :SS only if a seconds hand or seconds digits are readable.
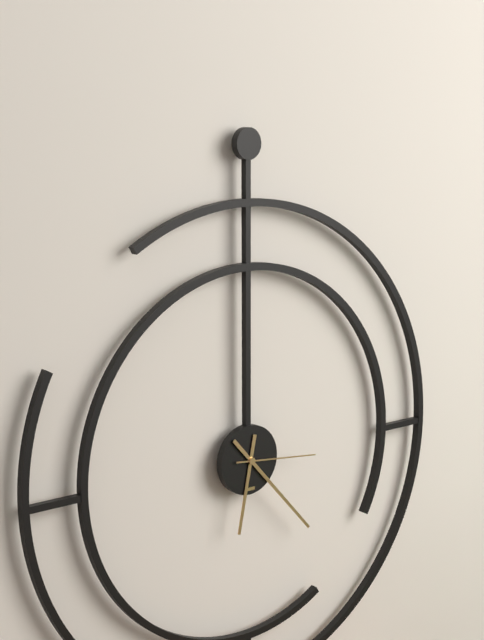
6:23:16
